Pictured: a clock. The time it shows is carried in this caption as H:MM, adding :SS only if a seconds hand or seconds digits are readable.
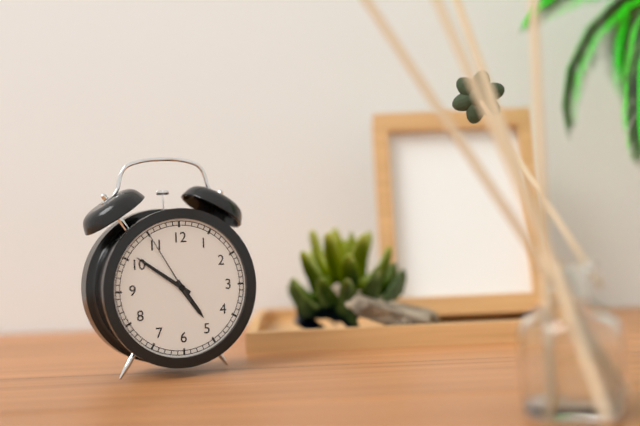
4:51:55
